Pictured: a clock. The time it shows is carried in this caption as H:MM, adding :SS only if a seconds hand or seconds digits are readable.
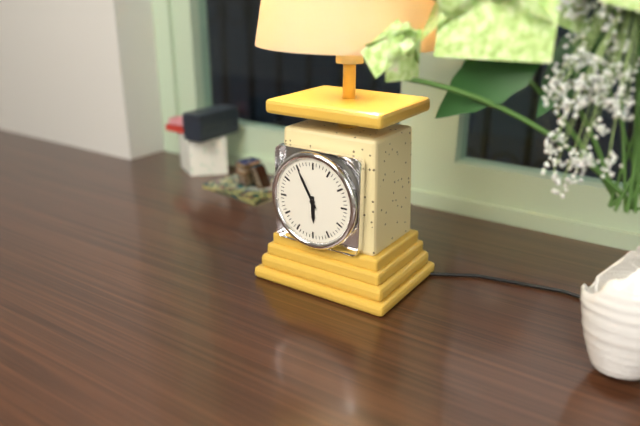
5:55
